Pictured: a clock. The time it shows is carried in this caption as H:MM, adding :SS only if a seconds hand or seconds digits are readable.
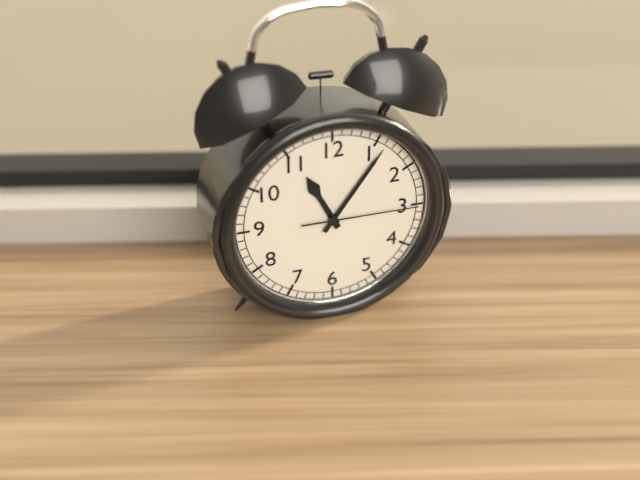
11:06:15
